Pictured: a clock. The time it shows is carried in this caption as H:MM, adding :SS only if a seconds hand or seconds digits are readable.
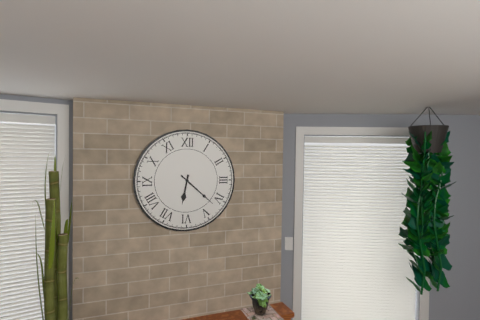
6:22
